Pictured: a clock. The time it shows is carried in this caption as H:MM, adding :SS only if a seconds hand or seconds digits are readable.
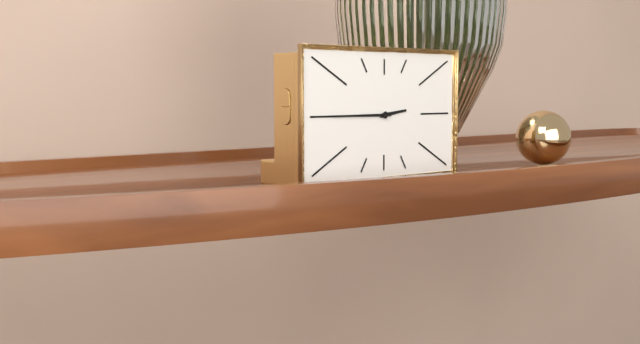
2:45
